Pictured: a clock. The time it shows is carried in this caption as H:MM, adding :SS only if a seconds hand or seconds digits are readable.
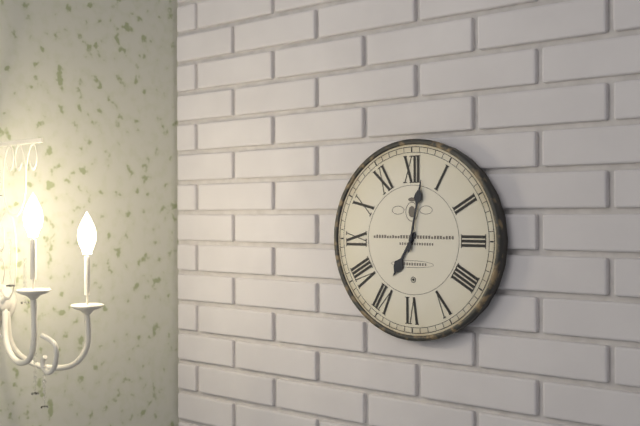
7:02
